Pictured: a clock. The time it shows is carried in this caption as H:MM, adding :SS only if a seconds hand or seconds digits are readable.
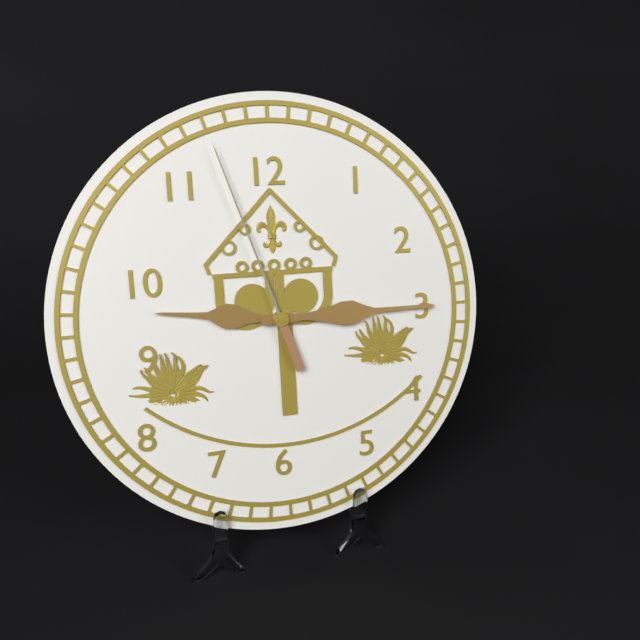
9:15:57
